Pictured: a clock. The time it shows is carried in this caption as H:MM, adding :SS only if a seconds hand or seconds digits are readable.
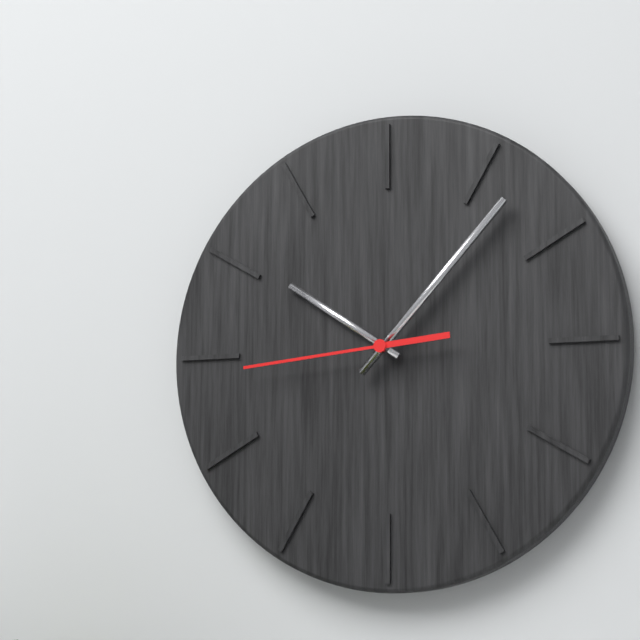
10:07:44
